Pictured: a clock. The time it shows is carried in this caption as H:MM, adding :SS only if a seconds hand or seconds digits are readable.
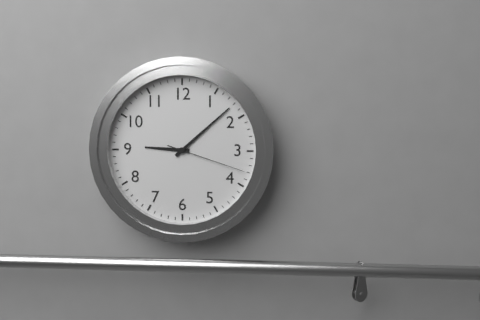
9:08:18
